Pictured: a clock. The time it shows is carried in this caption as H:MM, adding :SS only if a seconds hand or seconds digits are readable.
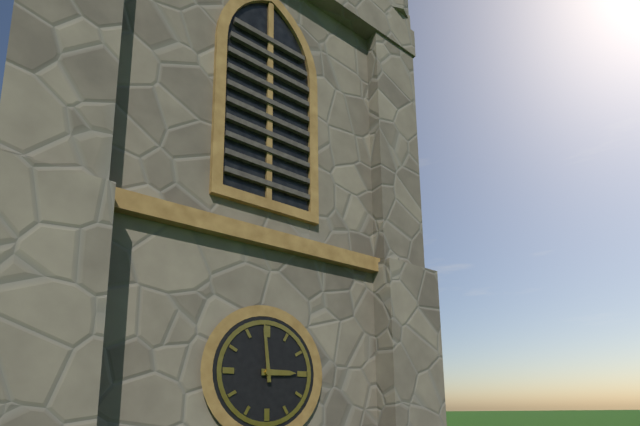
2:59
